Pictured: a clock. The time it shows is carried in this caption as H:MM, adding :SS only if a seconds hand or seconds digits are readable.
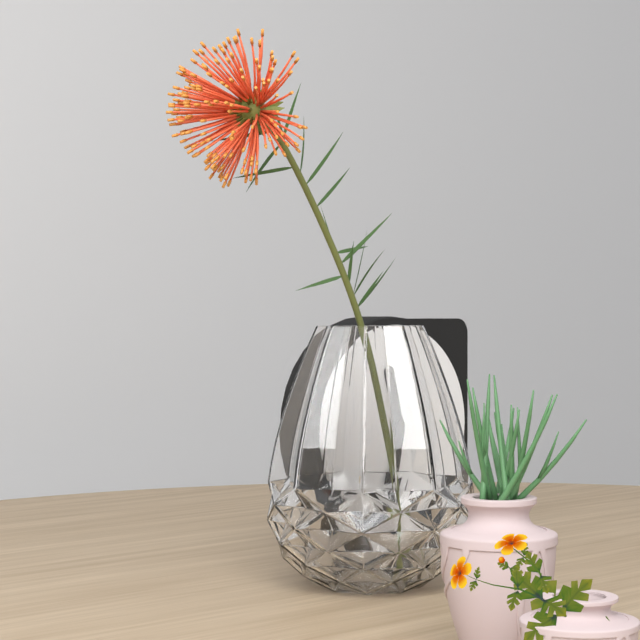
11:32
